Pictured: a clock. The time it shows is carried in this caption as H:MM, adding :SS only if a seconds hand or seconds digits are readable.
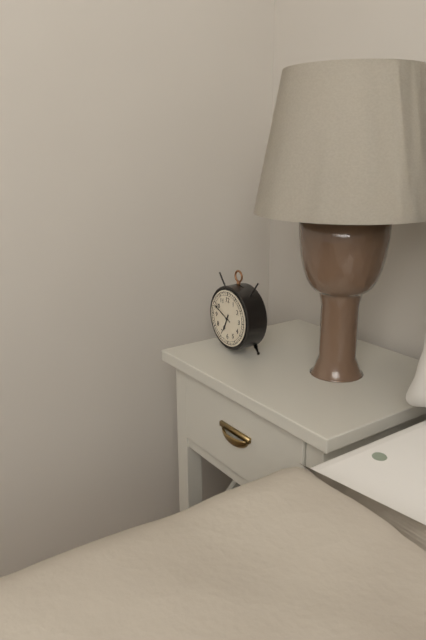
6:49
